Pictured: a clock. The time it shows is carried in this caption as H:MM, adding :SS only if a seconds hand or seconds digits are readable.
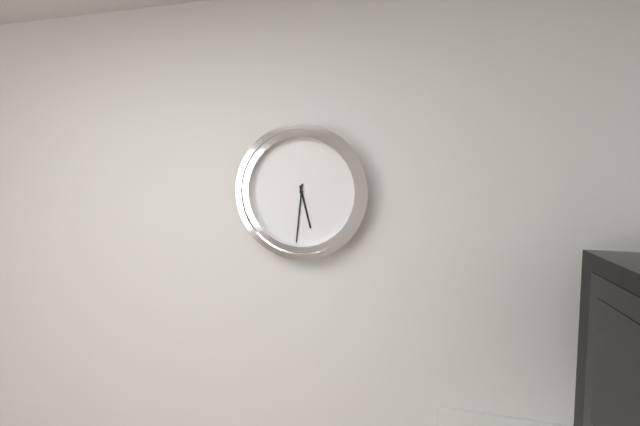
5:31
